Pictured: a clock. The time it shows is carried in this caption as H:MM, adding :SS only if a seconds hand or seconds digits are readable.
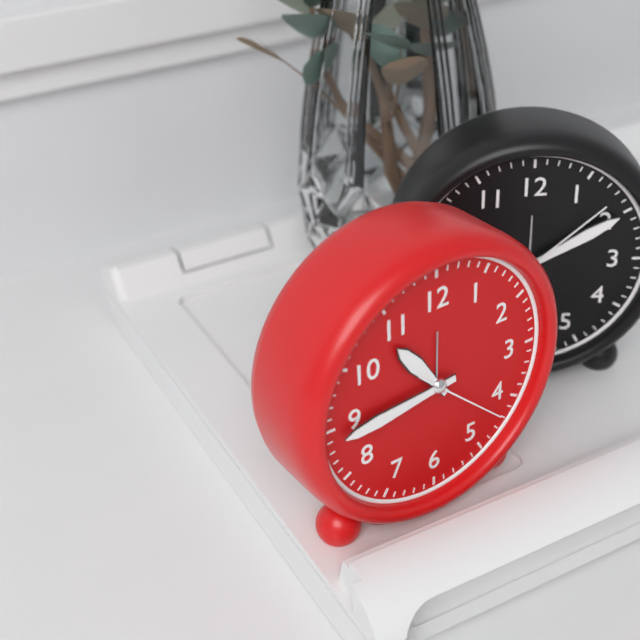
10:44:22
